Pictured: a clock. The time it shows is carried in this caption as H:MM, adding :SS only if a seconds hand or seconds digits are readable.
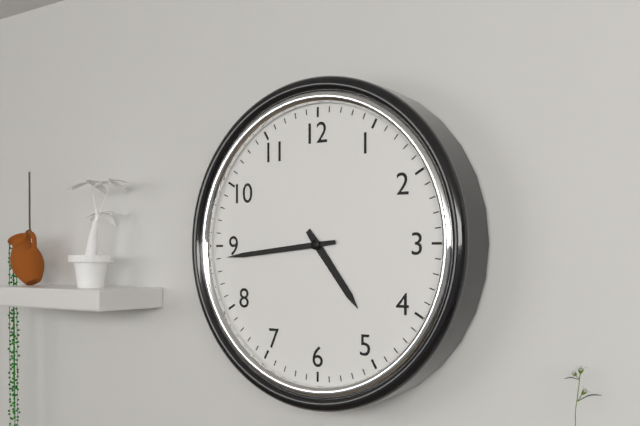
4:44
